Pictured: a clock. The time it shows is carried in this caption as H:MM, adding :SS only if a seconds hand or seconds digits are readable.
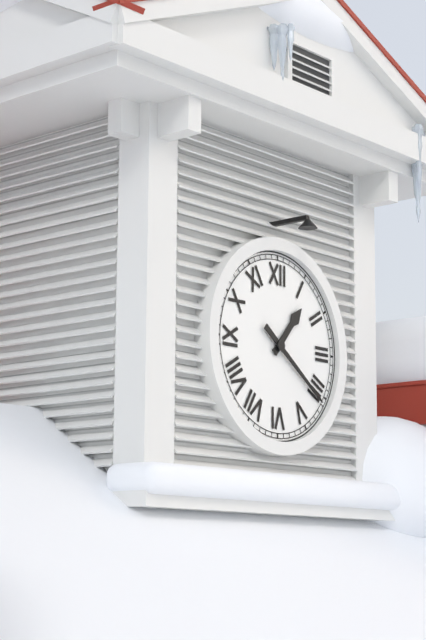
1:21
